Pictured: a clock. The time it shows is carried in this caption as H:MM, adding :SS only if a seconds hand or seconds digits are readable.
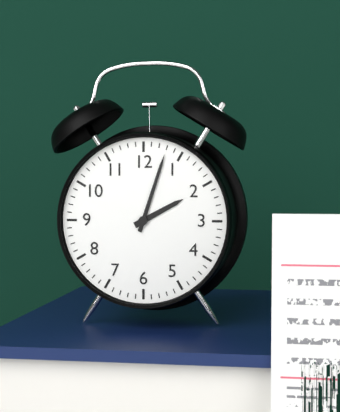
2:03
